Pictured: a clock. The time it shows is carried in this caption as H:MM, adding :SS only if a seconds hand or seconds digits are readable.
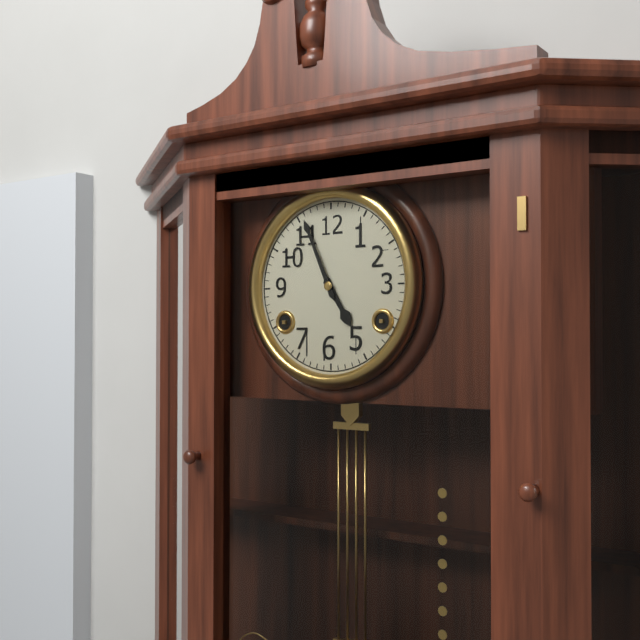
4:56
